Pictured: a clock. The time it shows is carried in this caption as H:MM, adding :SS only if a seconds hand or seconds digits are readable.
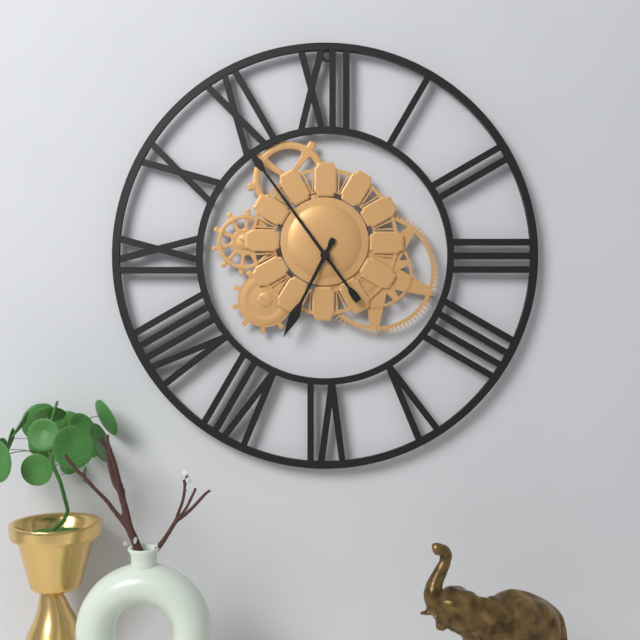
6:54
